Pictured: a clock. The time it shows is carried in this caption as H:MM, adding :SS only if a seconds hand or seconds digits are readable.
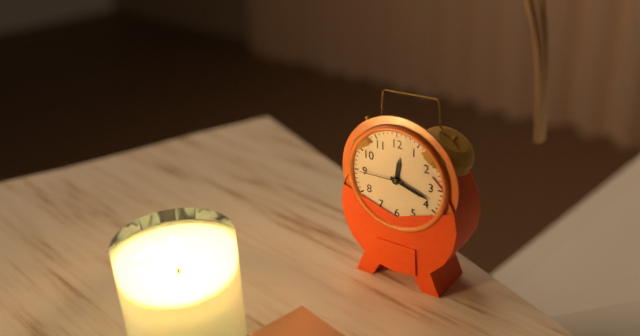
12:18
